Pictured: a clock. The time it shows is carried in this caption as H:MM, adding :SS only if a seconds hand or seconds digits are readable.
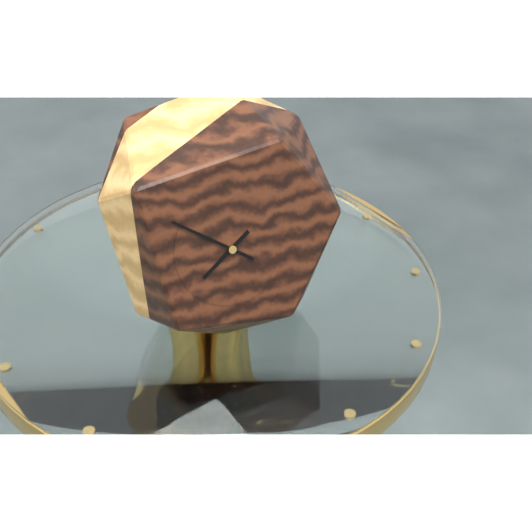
7:51
